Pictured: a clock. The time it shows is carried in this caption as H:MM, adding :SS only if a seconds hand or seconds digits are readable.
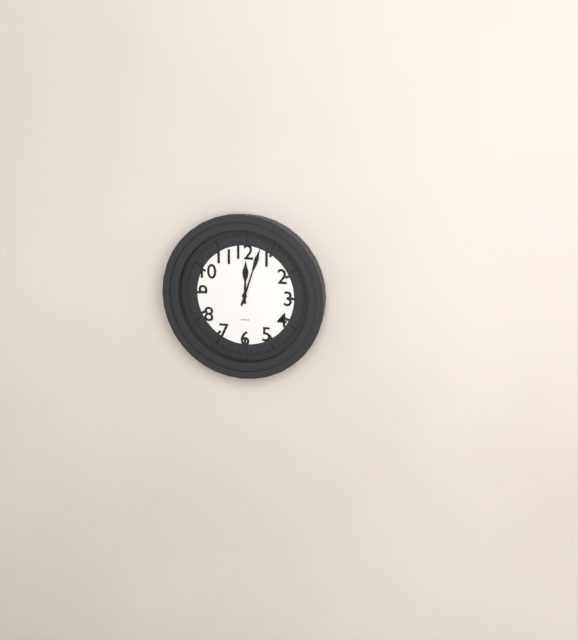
12:03
